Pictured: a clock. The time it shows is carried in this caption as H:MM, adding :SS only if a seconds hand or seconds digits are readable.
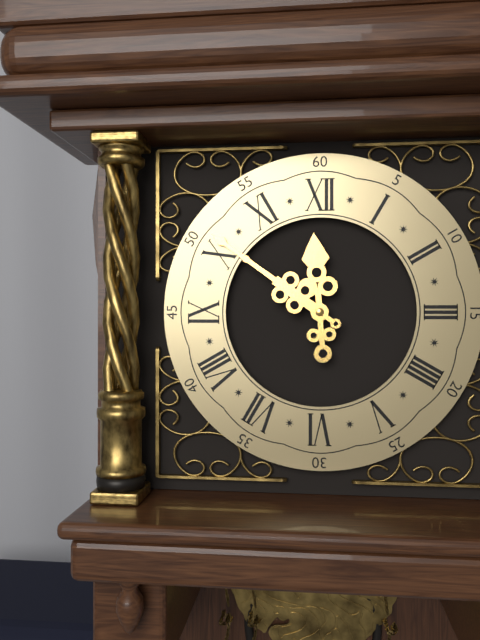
11:51
